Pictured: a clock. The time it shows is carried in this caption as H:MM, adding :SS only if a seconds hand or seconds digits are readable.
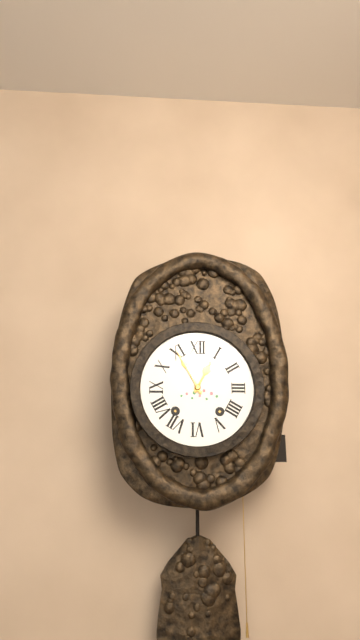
12:55
